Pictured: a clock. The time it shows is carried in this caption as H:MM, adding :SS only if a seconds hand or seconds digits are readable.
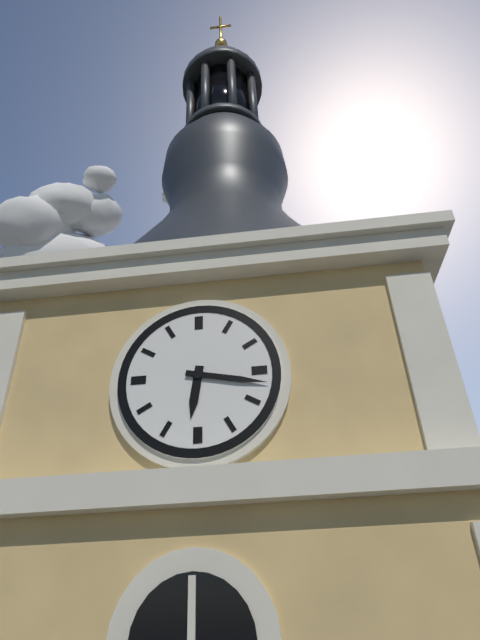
6:17
